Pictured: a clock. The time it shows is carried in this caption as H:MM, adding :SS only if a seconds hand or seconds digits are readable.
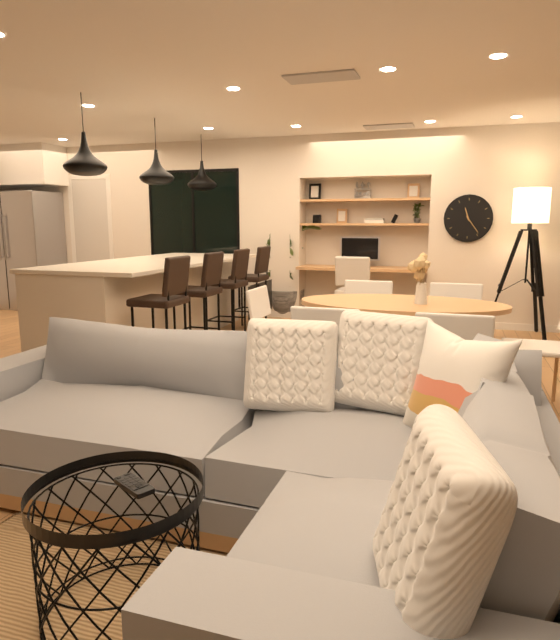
11:24
